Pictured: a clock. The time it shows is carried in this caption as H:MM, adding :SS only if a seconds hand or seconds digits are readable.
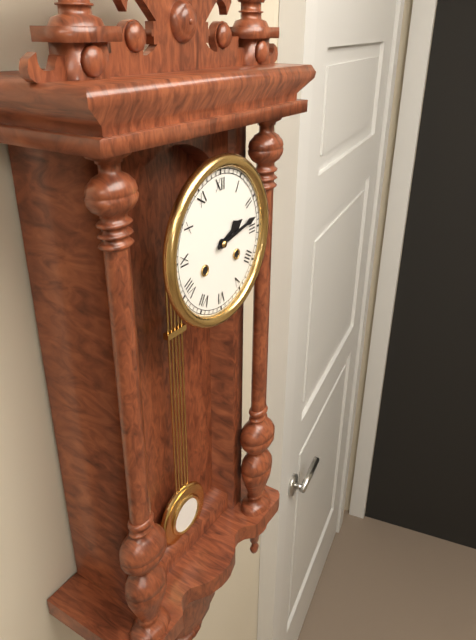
2:13
